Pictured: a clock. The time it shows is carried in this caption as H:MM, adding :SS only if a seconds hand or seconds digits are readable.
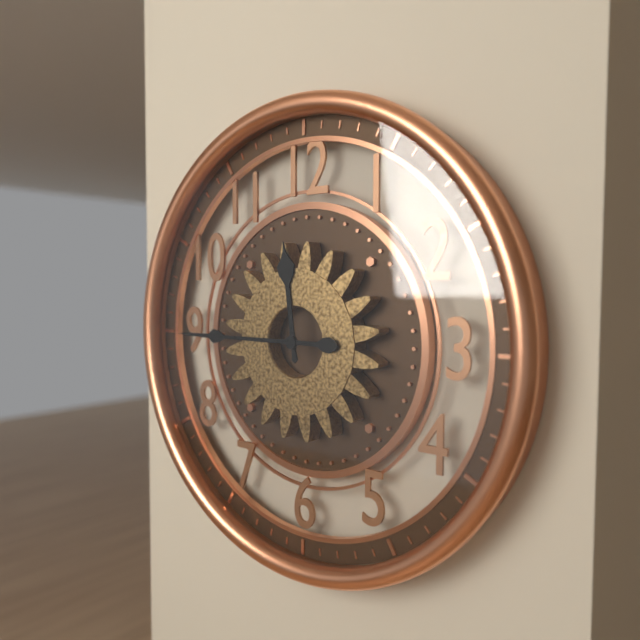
11:45
